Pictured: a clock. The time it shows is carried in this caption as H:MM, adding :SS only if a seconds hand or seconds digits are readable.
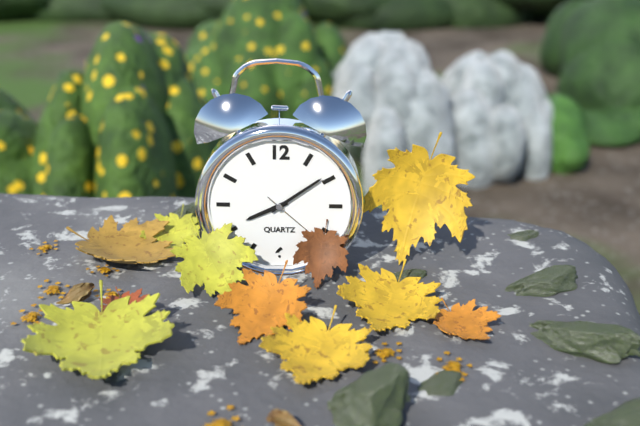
8:09:22
